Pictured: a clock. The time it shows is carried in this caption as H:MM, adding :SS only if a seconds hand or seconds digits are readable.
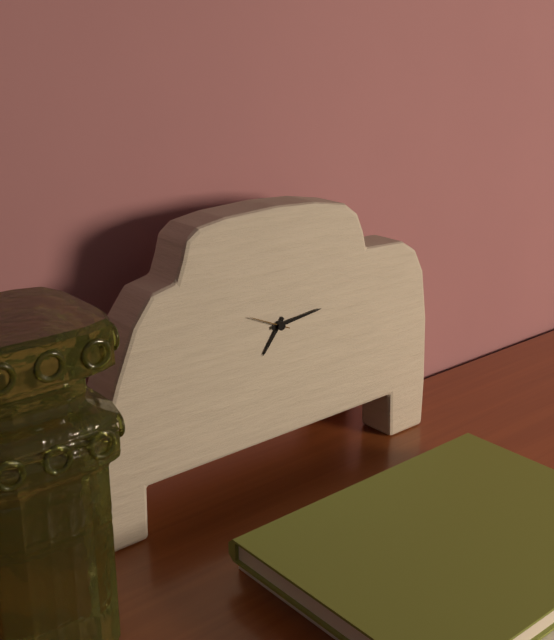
7:14
